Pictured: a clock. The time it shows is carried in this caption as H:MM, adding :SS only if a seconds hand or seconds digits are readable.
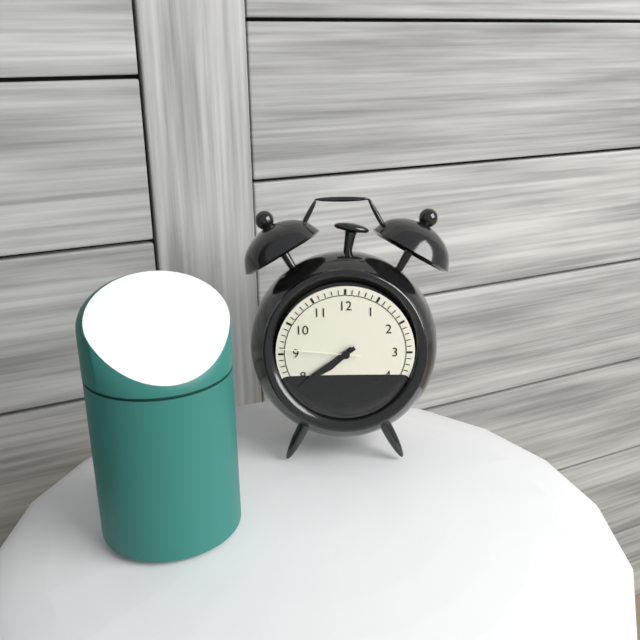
7:39:46
